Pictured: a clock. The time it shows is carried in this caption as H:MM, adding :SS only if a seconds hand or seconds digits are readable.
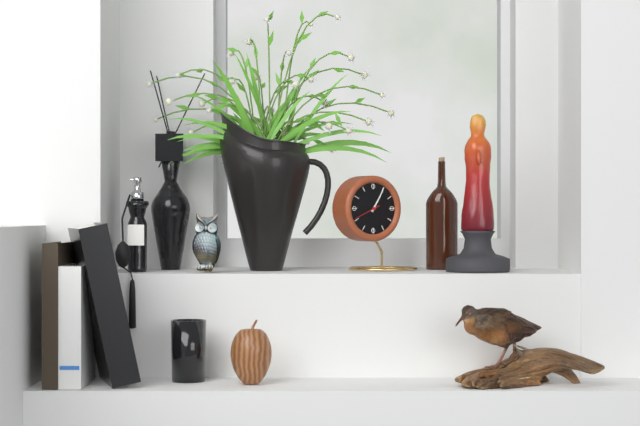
1:05
